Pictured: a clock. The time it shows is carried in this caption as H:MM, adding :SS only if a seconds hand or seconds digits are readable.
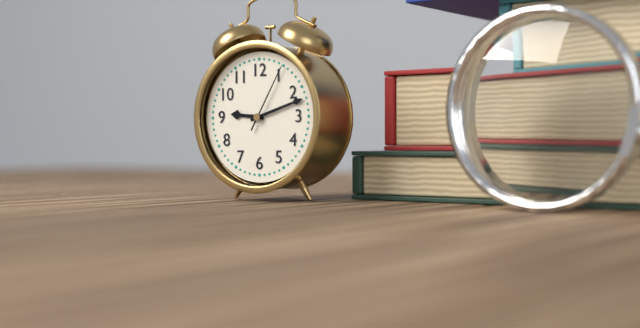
9:12:05
